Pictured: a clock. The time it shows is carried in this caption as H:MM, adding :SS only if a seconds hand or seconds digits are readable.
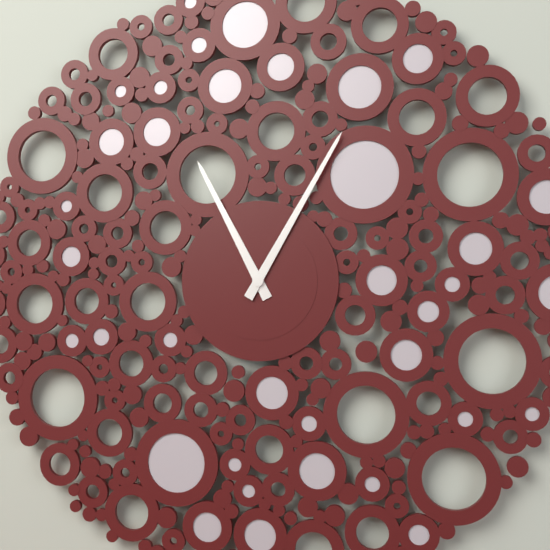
11:05
